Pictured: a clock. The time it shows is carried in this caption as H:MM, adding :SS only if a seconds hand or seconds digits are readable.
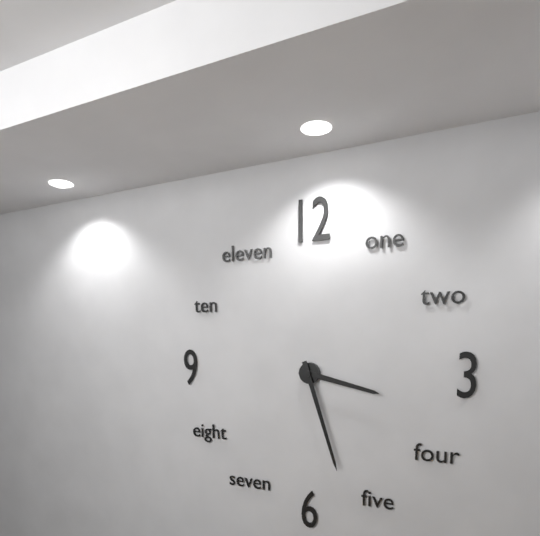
3:27
